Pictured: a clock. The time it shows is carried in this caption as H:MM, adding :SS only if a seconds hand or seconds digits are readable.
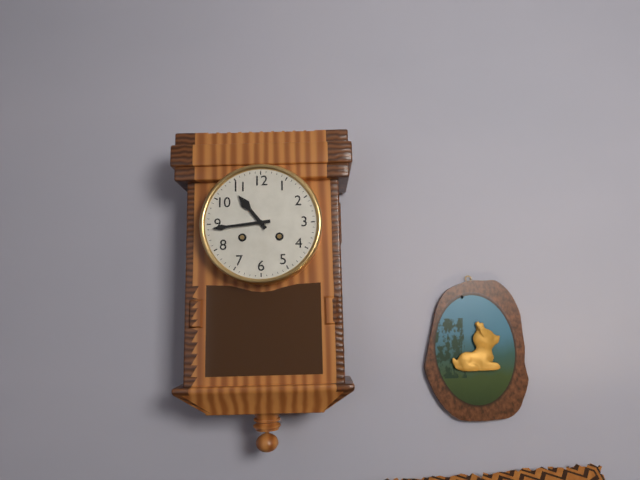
10:44
